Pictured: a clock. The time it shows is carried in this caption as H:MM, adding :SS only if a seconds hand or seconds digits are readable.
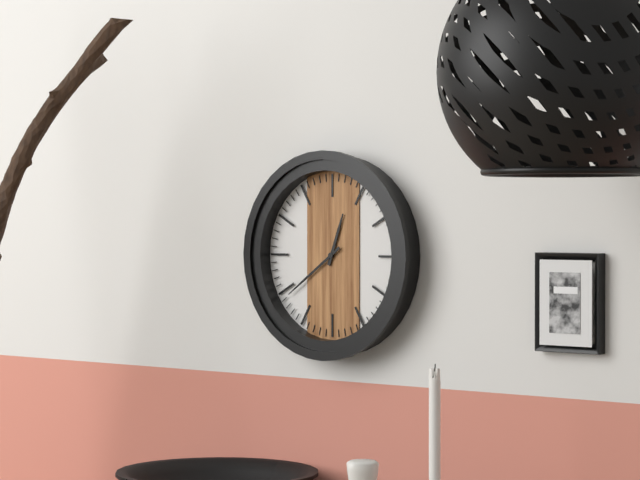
12:39
